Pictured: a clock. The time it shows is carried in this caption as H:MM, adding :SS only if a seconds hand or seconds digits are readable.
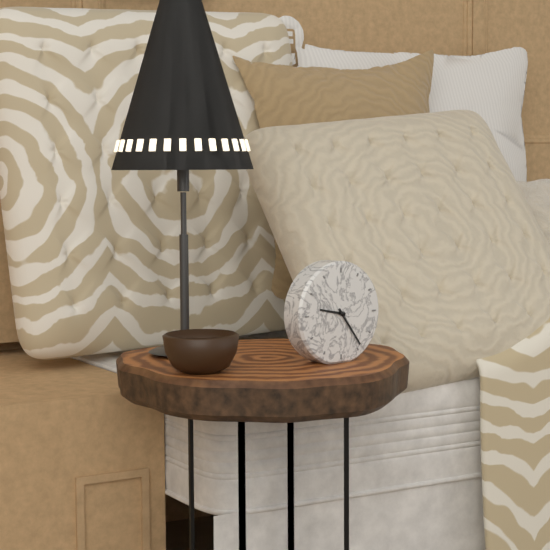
9:24
